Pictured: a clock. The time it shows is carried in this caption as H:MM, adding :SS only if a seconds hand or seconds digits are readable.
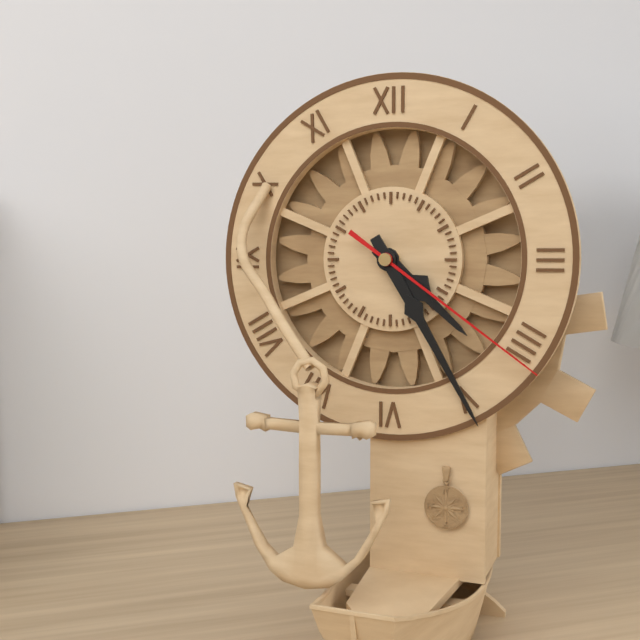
4:25:21
